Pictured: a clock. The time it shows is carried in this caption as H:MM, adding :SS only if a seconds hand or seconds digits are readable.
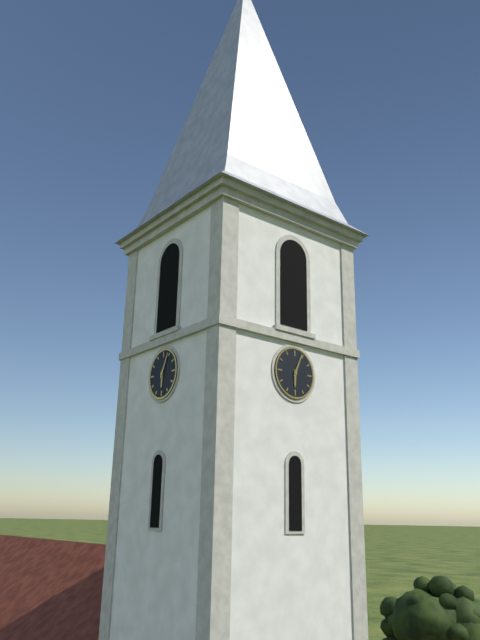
6:04
